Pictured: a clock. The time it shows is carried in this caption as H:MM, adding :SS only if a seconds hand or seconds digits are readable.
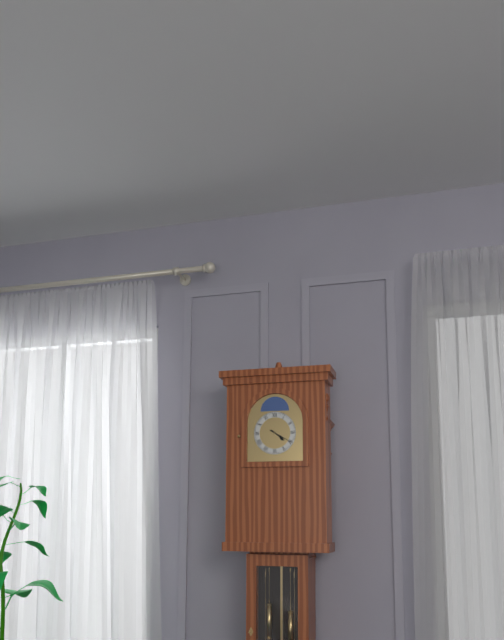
4:20
